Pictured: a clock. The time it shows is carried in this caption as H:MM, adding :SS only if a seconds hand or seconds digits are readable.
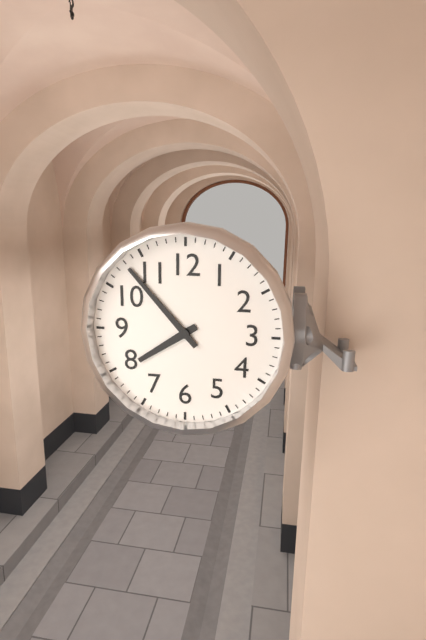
7:53
